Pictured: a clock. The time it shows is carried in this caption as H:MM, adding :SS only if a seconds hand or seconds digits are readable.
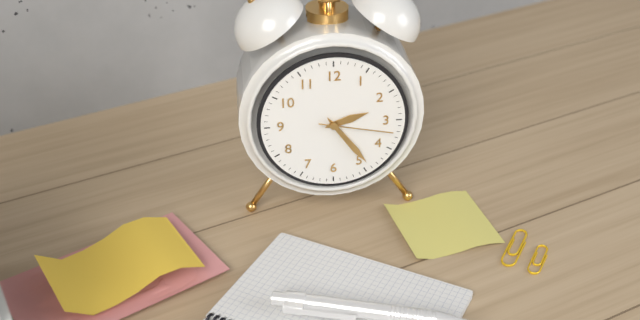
2:24:17
